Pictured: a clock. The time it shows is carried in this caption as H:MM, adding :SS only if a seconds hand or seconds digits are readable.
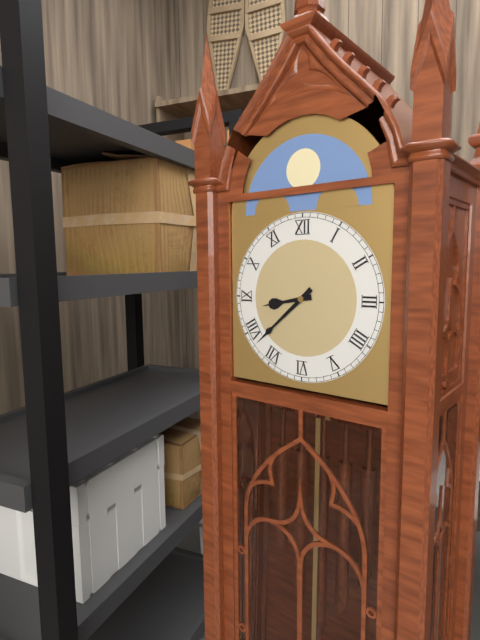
8:38
